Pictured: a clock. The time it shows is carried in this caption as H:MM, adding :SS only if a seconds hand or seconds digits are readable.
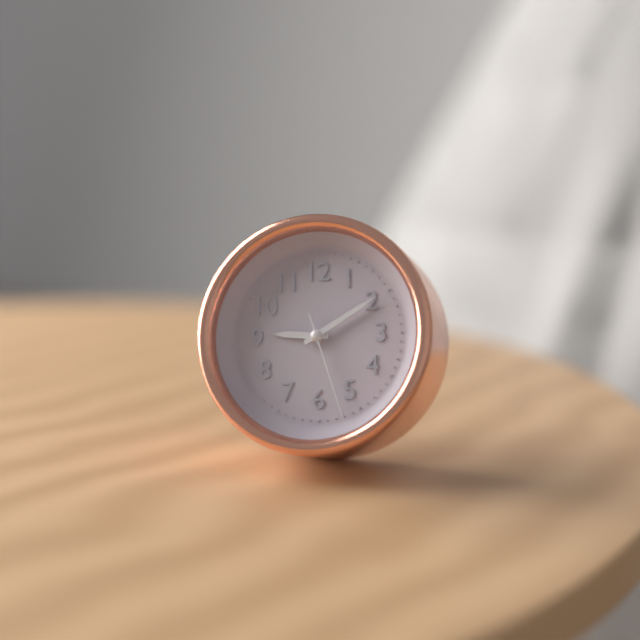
9:10:27
